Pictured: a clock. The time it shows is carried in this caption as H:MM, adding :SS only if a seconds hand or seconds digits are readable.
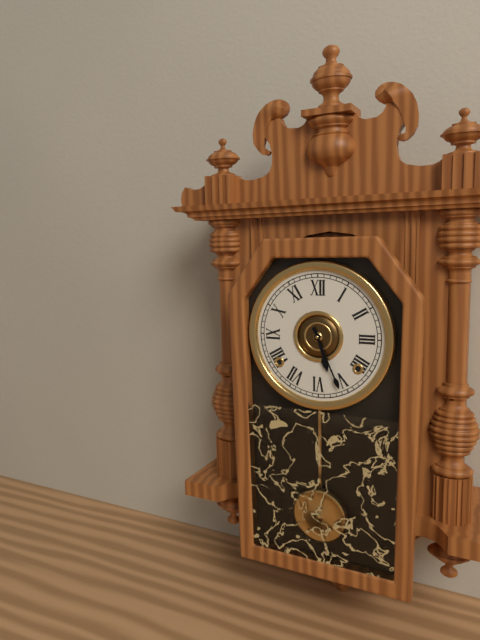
5:26
